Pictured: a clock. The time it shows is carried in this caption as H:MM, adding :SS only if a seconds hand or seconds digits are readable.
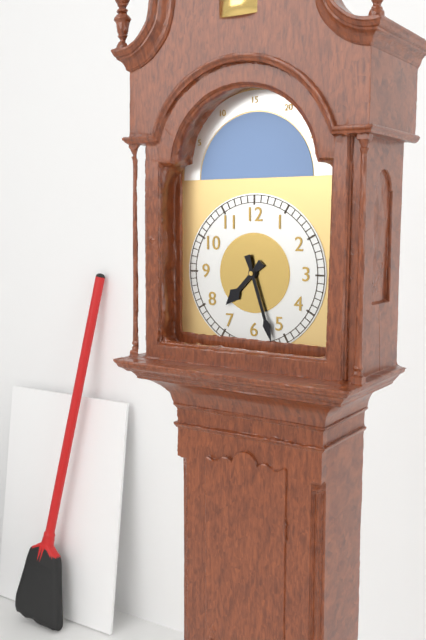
7:27
